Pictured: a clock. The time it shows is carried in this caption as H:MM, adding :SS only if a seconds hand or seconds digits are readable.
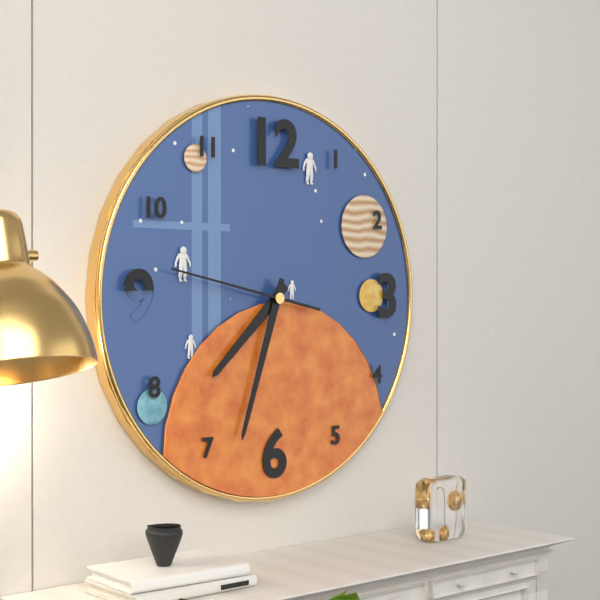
7:33:47
